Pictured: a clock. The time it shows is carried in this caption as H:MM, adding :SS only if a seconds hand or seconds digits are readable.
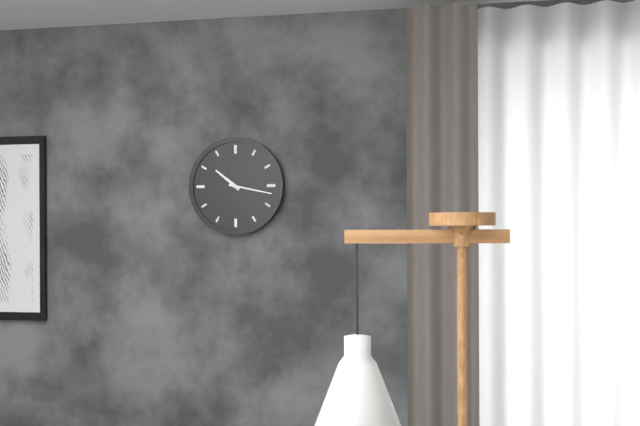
10:17
